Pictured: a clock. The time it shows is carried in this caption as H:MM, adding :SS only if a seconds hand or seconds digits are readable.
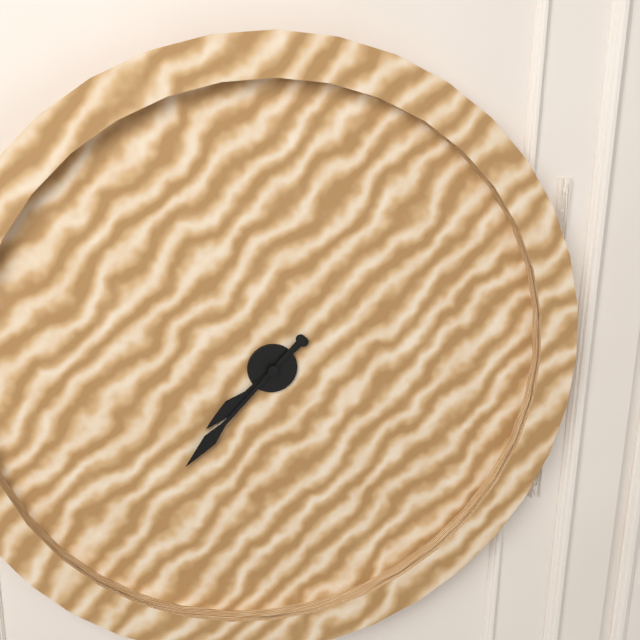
7:37
